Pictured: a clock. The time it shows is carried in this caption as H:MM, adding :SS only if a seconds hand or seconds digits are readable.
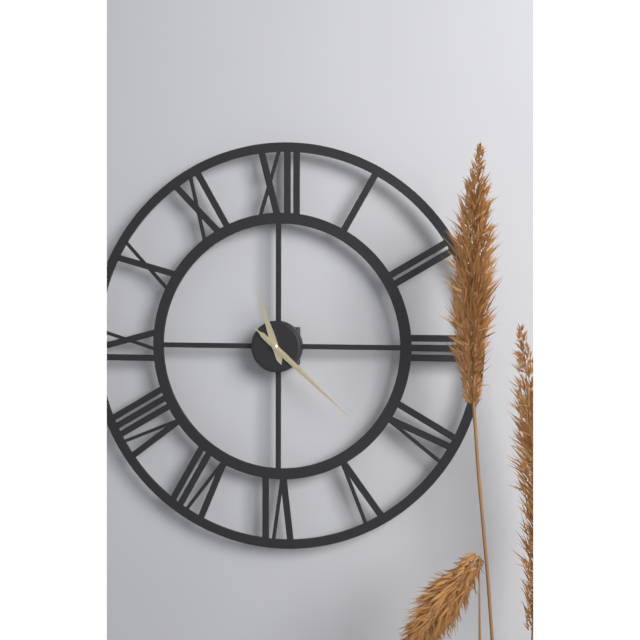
11:22:22
